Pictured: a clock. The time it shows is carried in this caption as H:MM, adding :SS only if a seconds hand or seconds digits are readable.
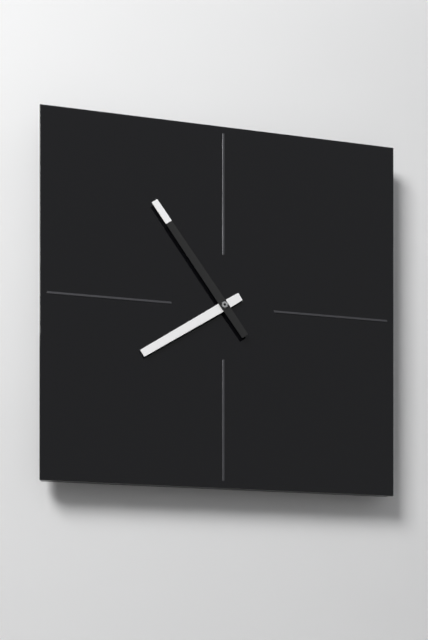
7:54
